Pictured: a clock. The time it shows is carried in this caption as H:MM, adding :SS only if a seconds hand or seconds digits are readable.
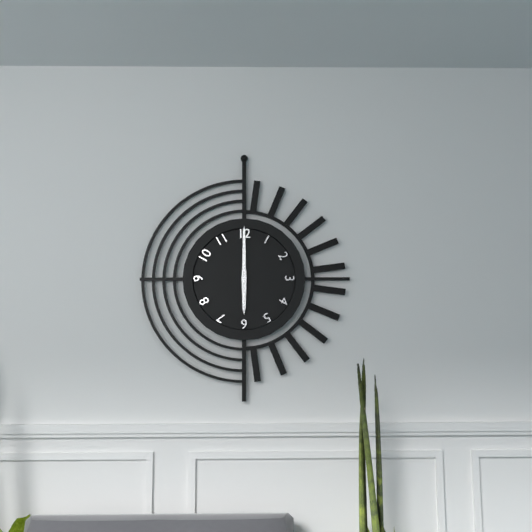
6:00
